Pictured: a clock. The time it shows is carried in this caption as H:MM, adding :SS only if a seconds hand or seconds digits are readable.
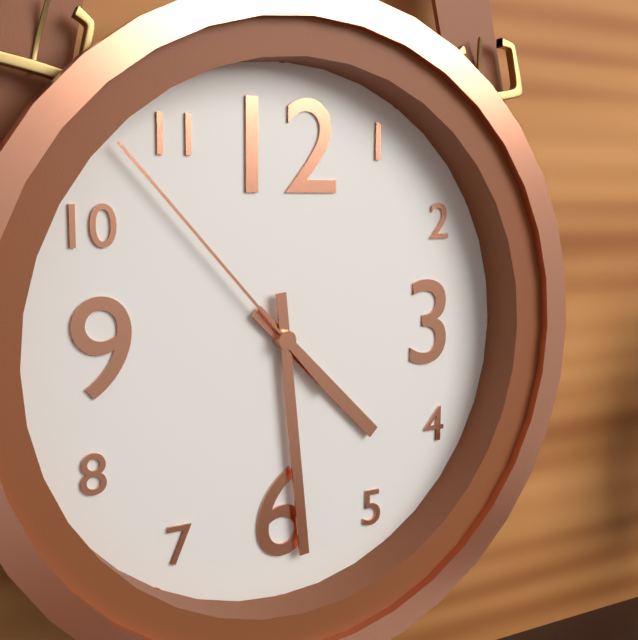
4:29:53
